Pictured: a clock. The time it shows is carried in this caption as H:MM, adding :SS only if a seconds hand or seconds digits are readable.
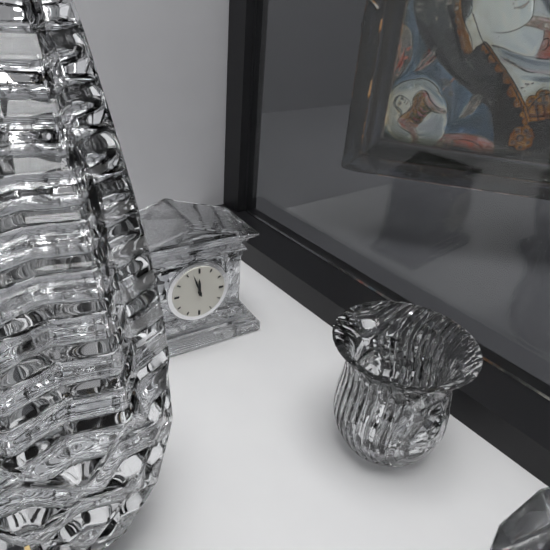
11:57
